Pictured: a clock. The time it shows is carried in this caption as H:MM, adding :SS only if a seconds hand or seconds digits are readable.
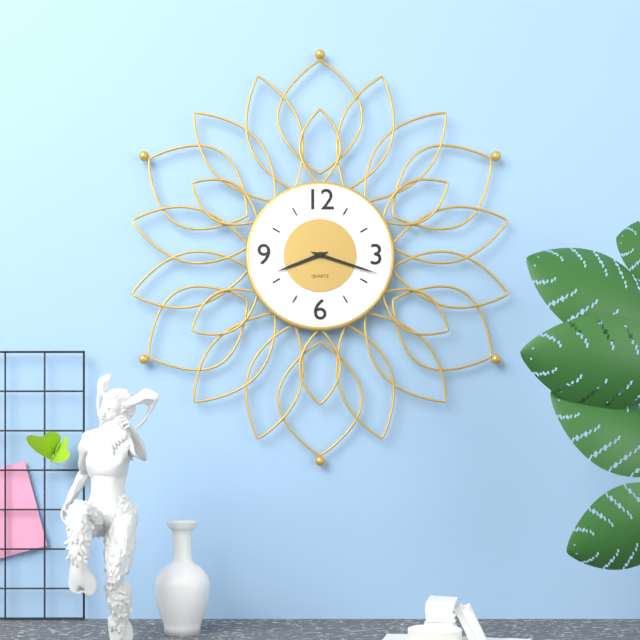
8:18
